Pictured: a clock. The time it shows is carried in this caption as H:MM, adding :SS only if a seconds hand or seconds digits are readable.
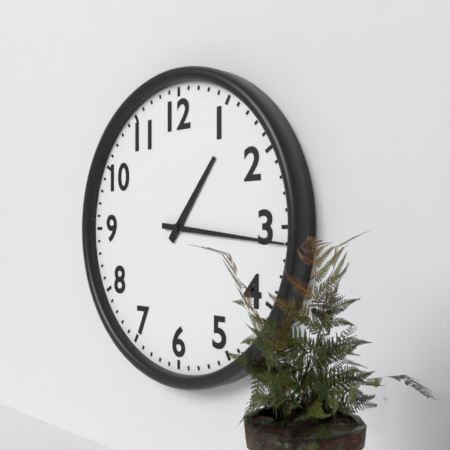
1:16
